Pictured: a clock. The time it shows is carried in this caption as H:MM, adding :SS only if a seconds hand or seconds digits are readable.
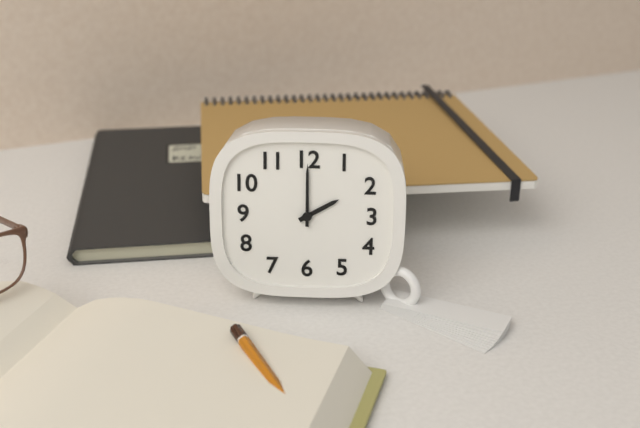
2:00
